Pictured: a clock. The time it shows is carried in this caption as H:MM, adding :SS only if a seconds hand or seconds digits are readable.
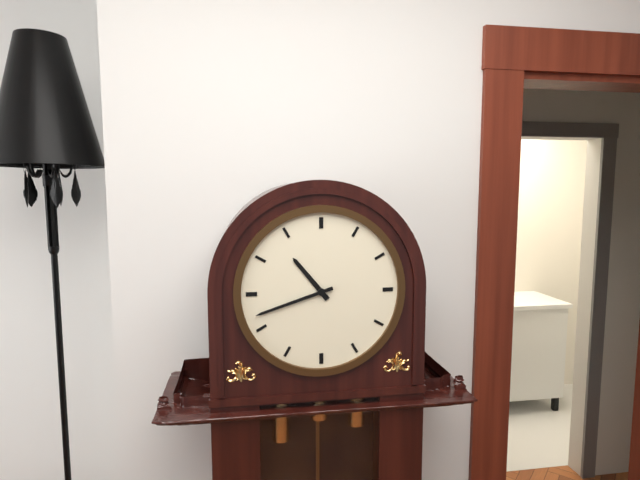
10:42
